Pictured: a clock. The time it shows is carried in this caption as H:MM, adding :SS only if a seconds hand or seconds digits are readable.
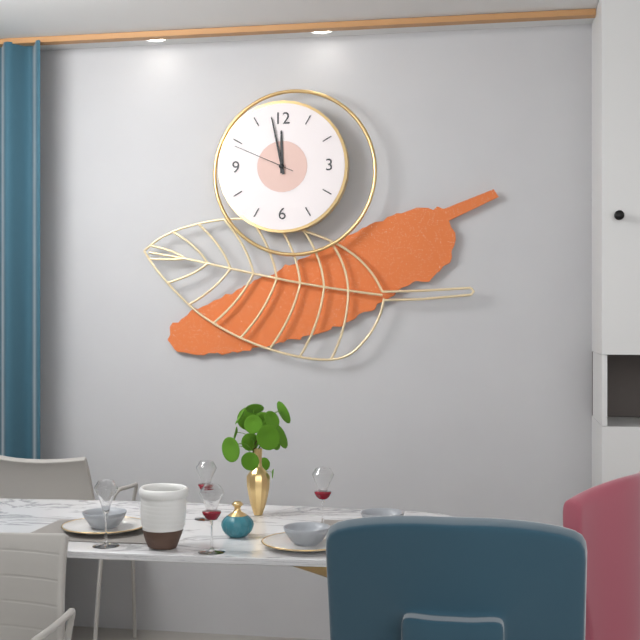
11:58:49
